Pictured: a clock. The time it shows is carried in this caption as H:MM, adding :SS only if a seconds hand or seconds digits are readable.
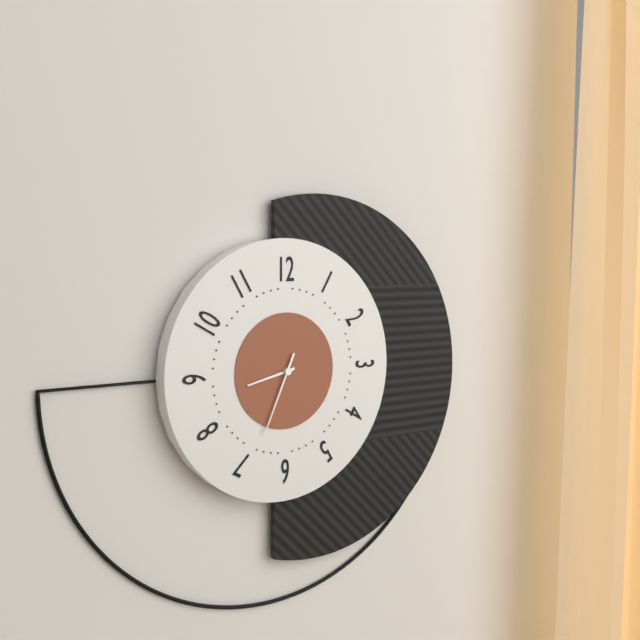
8:34
